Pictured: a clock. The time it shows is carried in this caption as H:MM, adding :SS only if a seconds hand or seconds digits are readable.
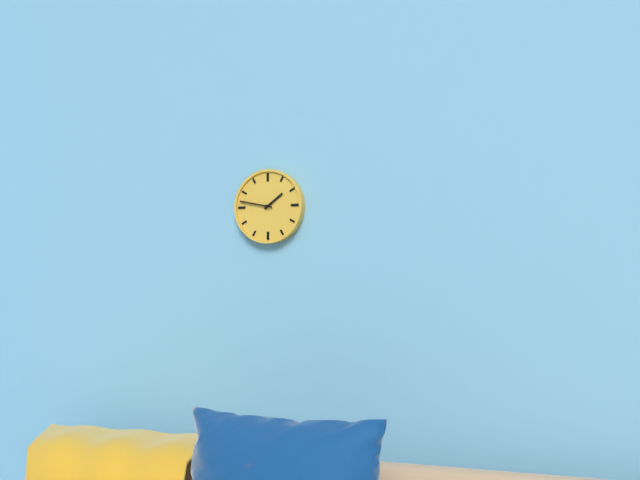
1:47
